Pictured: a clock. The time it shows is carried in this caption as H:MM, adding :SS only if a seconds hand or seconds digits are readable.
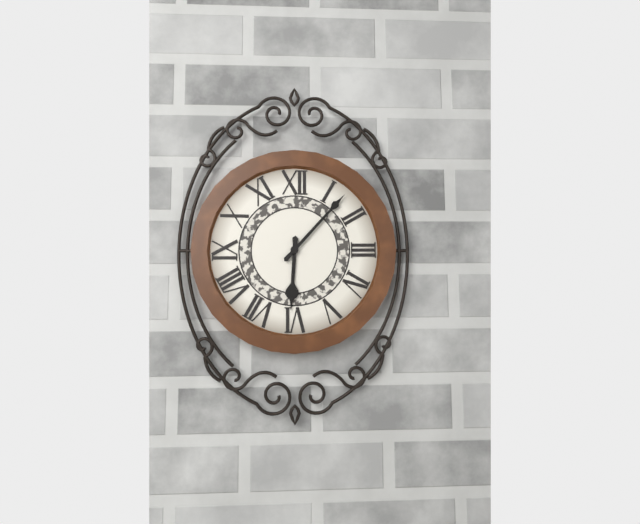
6:07
